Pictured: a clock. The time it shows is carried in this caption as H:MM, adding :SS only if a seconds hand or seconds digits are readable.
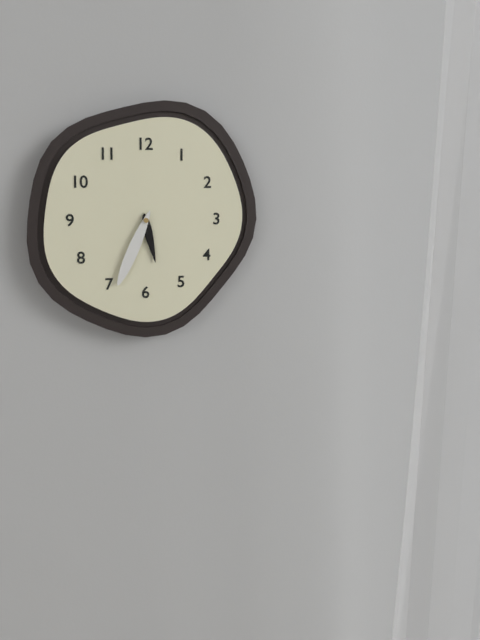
5:34
